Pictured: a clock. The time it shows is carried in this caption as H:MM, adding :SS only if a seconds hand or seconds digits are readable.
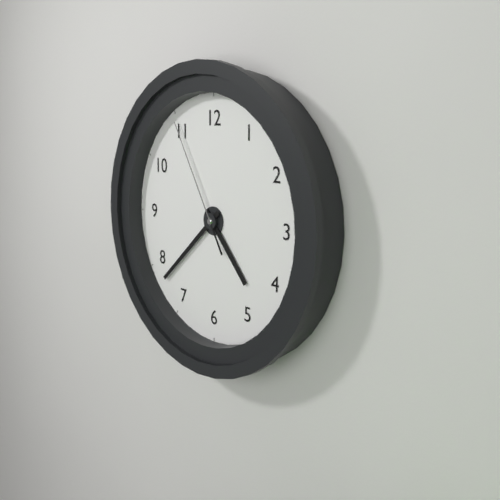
4:38:55
